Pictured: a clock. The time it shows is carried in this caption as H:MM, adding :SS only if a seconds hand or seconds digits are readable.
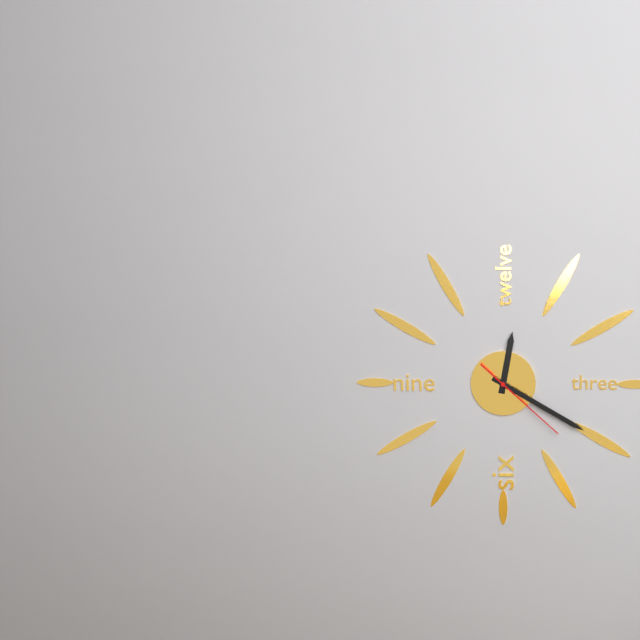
12:20:22
